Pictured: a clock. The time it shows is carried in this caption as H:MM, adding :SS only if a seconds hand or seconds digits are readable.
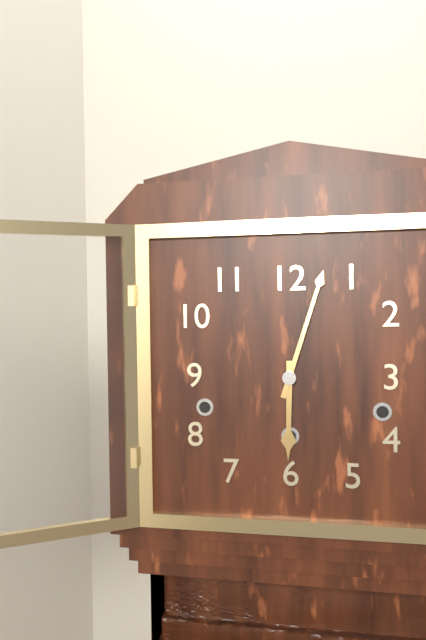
6:03
